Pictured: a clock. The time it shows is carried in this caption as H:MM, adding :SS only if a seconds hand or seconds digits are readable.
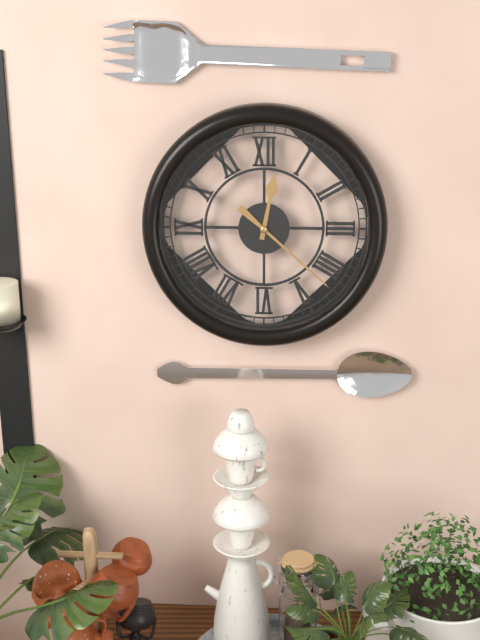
12:22
